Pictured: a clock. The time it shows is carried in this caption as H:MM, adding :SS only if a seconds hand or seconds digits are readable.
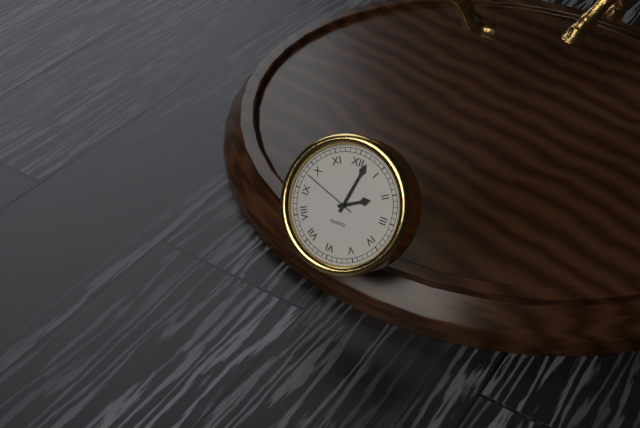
2:02:48
